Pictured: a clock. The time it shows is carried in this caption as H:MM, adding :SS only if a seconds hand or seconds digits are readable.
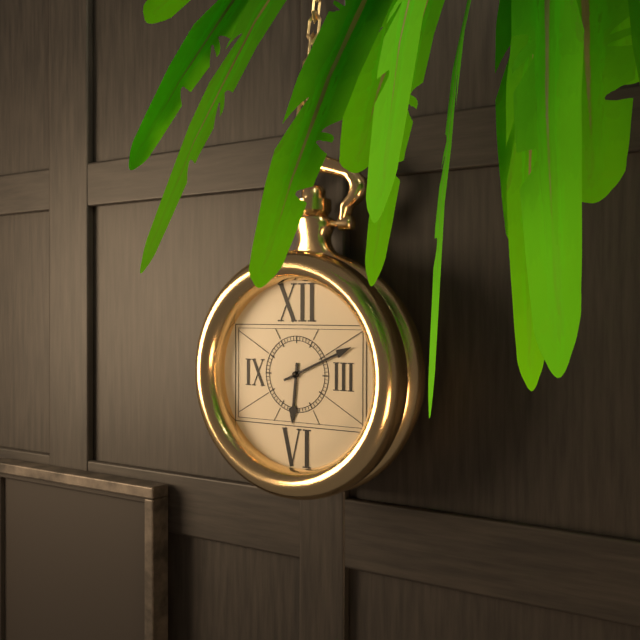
6:11
